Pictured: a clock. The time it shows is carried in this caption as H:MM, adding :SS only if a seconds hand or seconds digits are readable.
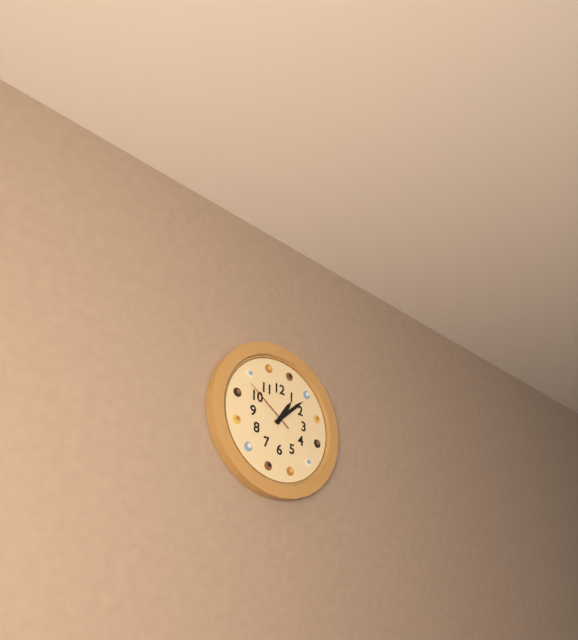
1:08:51
